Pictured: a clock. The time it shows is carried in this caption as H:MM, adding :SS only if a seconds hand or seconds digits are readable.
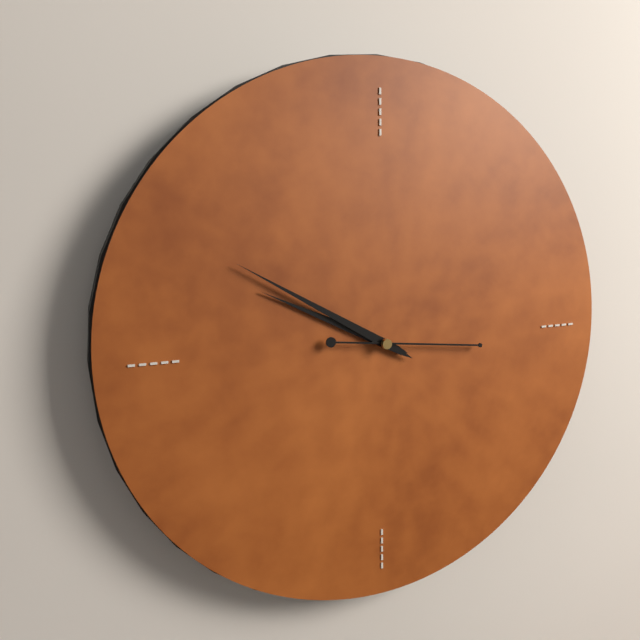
9:50:16
